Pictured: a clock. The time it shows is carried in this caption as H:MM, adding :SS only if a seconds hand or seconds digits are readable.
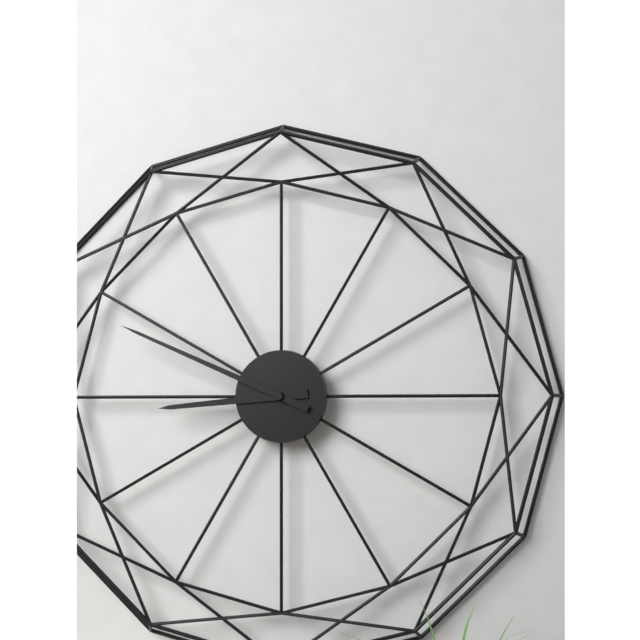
8:49
